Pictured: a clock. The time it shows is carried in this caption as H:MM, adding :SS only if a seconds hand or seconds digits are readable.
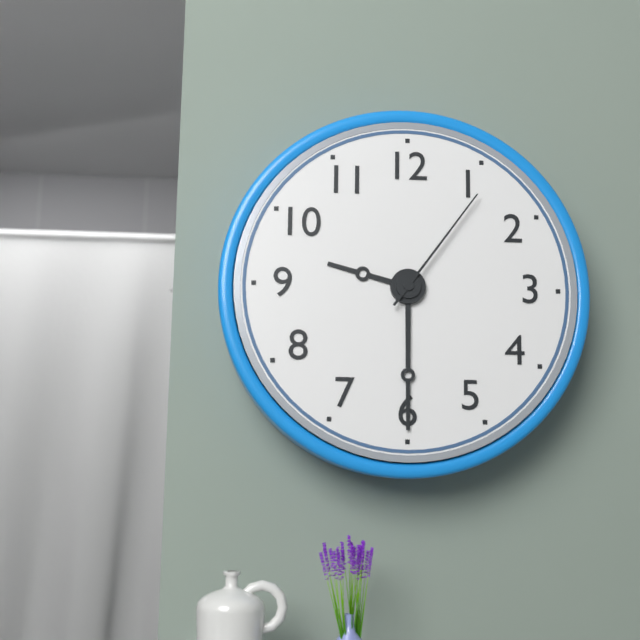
9:30:06
